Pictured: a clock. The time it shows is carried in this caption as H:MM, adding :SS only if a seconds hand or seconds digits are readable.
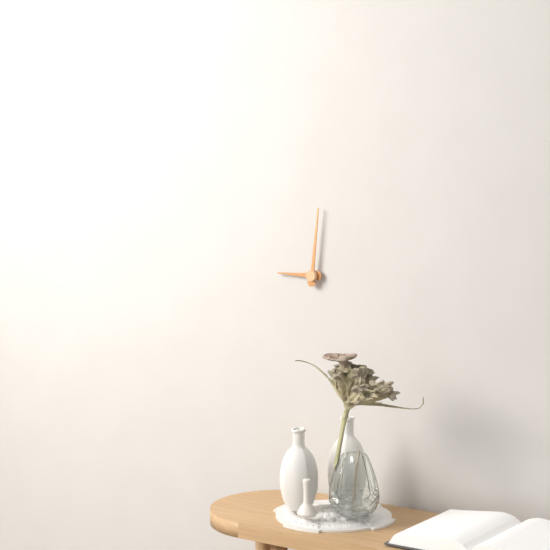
9:01
